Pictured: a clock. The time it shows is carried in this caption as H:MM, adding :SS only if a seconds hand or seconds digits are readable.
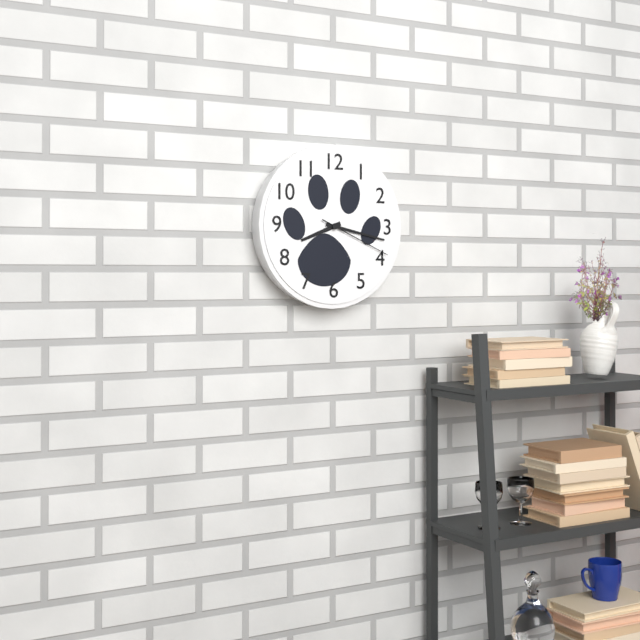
8:17:19
